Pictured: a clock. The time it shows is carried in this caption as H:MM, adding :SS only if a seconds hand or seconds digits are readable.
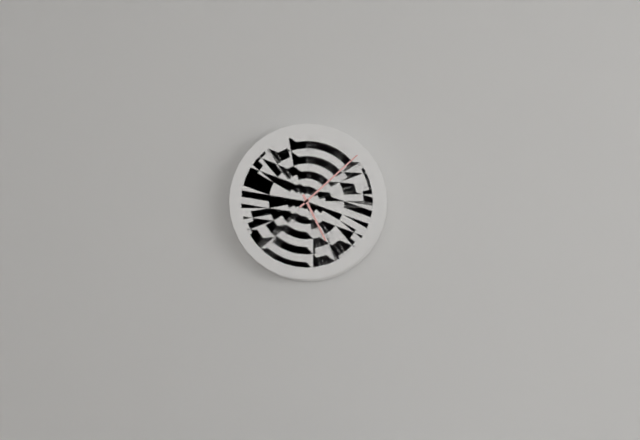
5:08
